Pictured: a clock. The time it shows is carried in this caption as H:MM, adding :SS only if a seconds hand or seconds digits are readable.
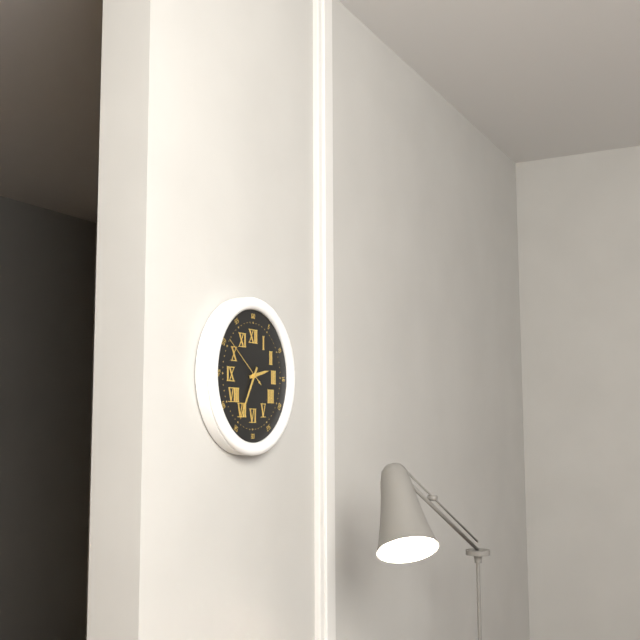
2:35:51
